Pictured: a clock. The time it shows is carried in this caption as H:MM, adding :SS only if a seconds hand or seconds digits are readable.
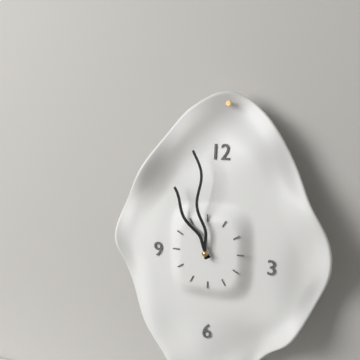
10:59
